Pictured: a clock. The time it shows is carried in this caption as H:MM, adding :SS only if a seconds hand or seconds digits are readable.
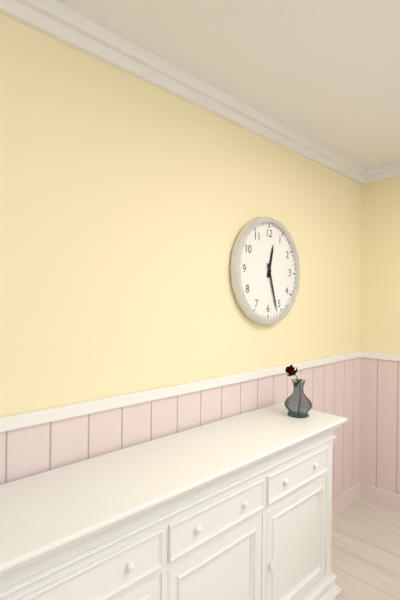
12:27
